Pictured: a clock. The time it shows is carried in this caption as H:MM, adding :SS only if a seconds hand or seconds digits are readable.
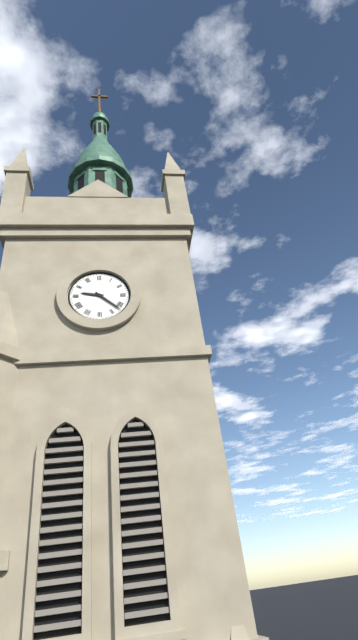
9:22
